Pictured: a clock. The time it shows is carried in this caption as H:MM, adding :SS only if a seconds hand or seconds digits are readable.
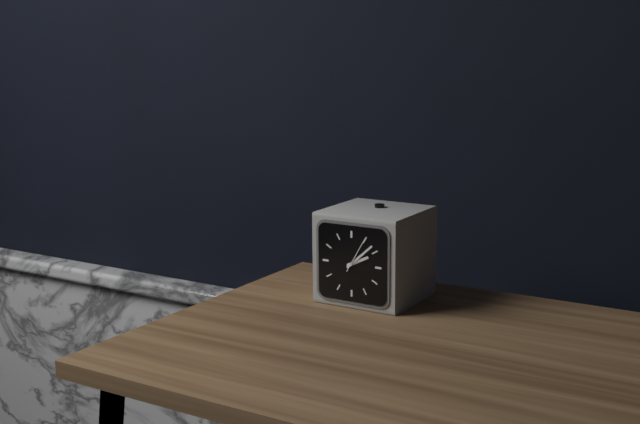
2:08
